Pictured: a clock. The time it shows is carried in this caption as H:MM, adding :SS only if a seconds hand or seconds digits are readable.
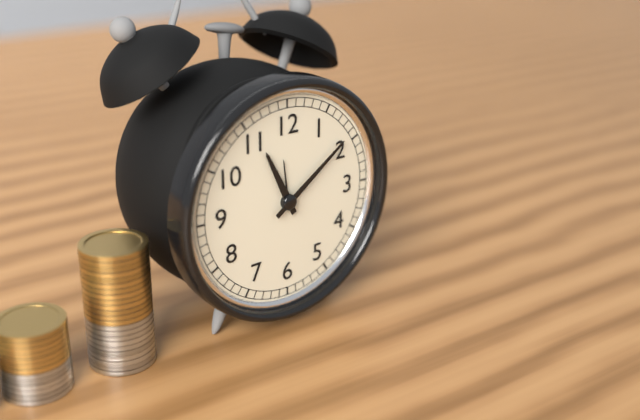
11:09
